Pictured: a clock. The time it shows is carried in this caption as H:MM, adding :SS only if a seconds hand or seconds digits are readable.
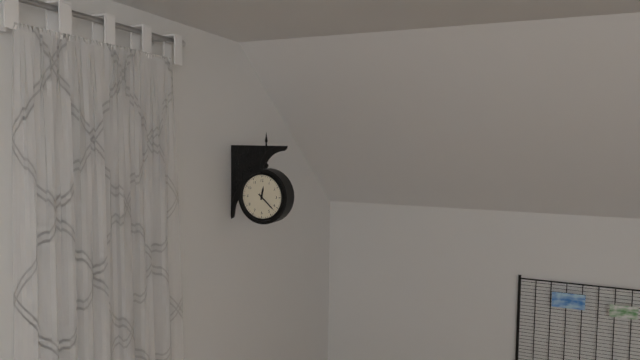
12:22
